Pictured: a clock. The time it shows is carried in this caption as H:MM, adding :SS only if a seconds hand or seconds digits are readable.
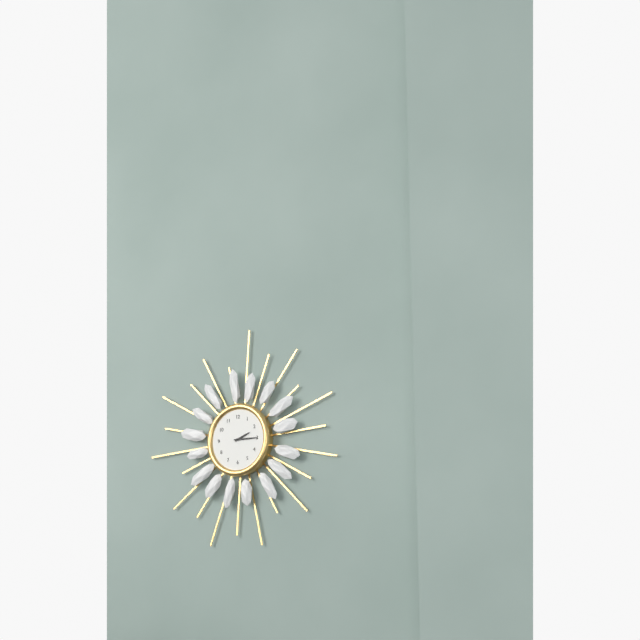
2:15
